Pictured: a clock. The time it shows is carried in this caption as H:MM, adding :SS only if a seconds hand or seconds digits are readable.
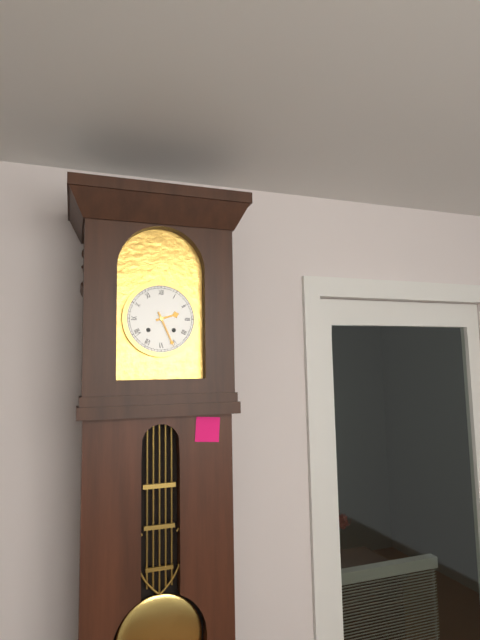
2:26
